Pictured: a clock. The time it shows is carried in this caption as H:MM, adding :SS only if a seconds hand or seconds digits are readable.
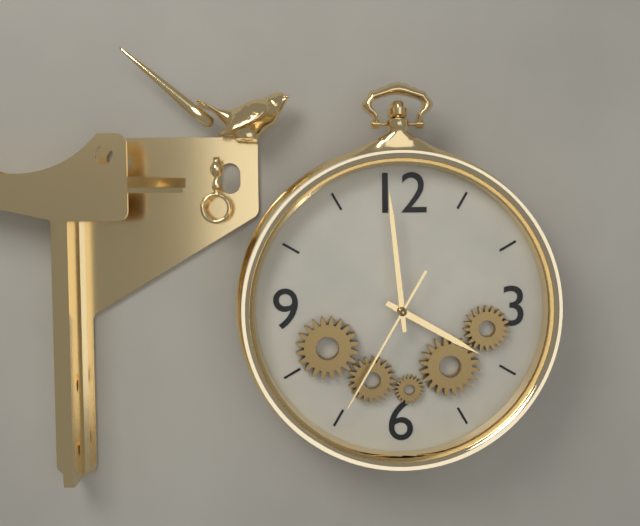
3:59:35
